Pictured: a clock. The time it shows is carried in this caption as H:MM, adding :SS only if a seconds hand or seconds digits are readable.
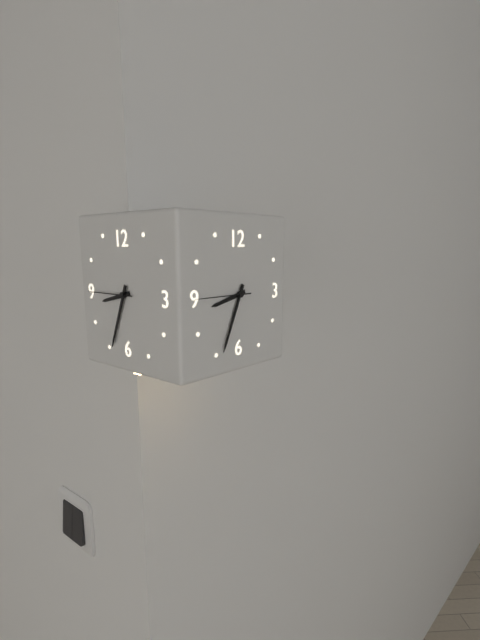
8:34:45
